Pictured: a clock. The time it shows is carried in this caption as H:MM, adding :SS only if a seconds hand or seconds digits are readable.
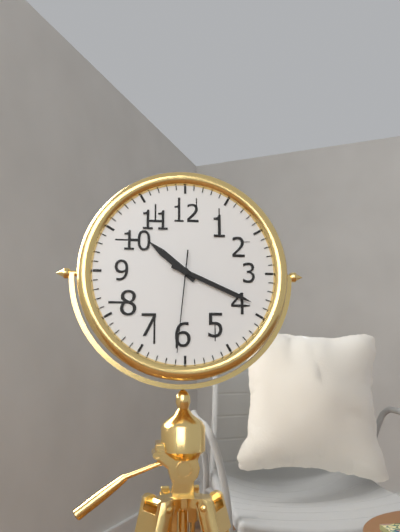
10:19:31
